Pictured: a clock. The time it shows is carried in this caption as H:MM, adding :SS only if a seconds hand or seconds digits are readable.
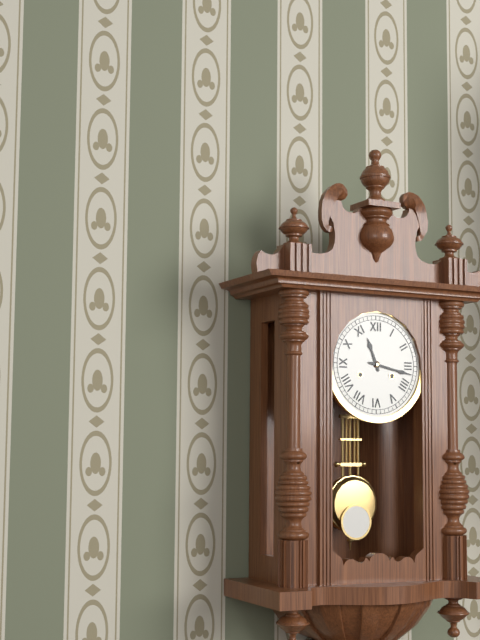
11:17
